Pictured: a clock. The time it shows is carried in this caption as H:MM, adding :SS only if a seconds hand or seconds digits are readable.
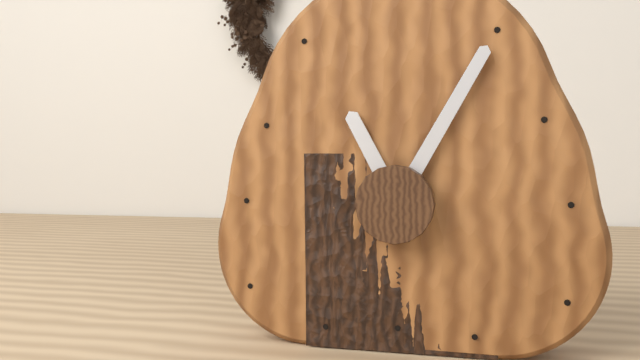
11:05
